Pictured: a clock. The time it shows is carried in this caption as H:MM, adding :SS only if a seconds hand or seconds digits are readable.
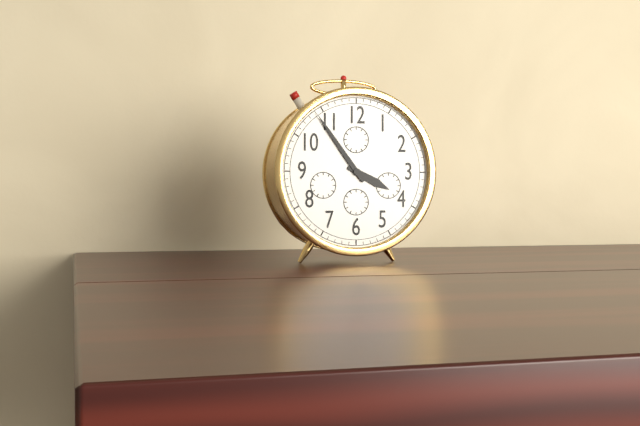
3:54
